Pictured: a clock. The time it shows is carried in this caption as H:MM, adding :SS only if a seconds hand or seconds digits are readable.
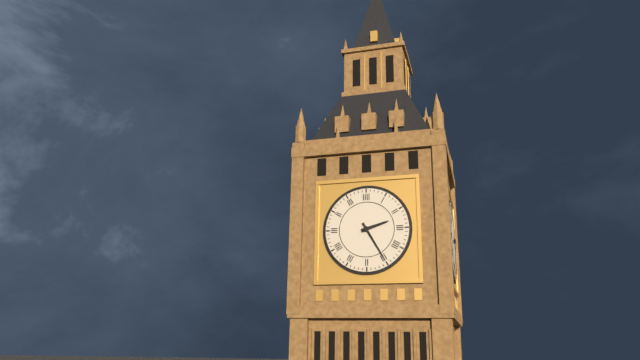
2:25
